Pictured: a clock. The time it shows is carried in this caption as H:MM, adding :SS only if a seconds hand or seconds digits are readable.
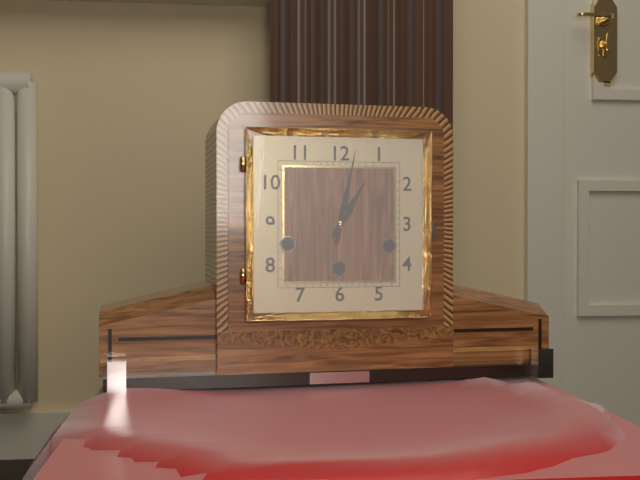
1:02
